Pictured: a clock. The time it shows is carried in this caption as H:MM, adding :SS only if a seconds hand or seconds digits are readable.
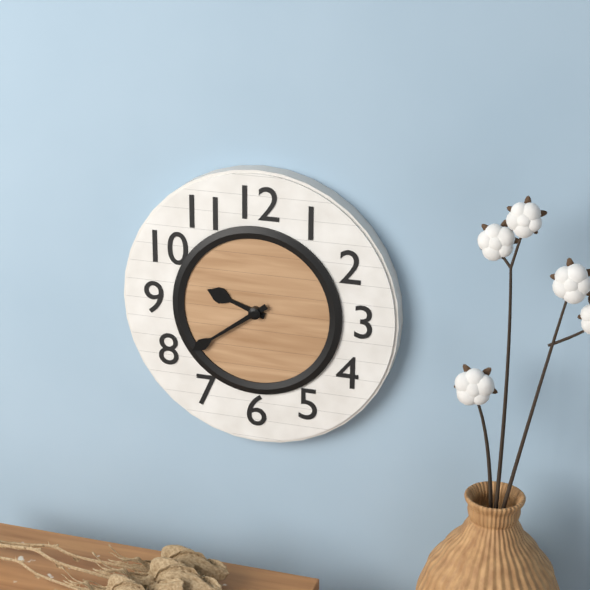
9:39
